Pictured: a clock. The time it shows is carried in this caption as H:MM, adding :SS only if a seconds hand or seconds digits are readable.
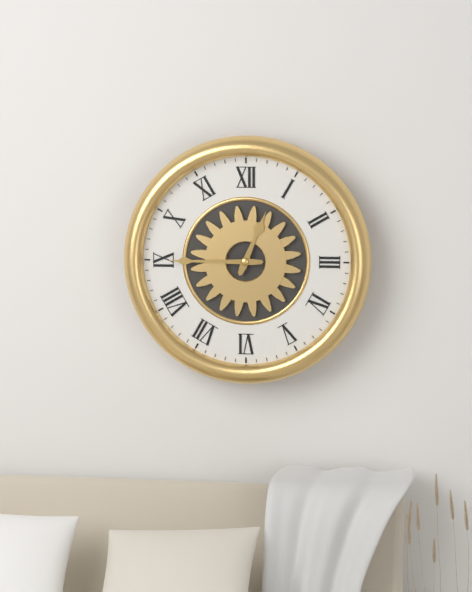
12:45
